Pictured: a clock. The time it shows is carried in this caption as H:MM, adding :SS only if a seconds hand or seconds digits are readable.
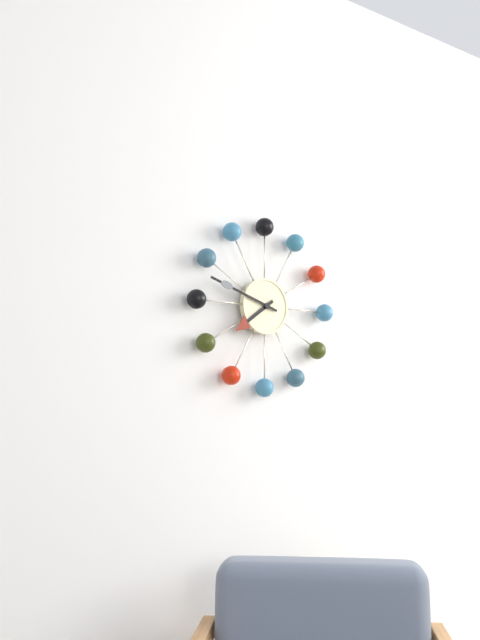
7:48
